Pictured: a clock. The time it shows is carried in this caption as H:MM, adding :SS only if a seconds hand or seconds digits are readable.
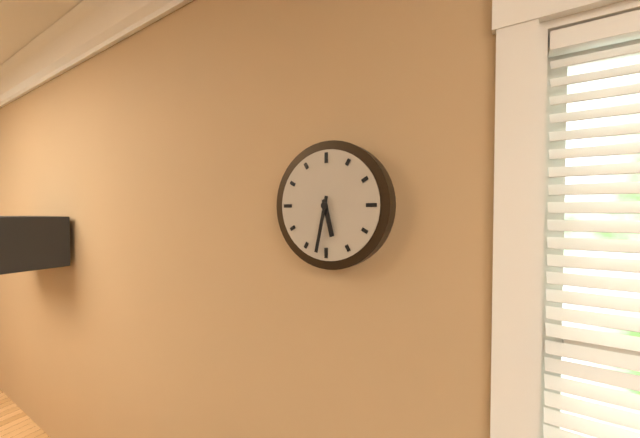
5:32
